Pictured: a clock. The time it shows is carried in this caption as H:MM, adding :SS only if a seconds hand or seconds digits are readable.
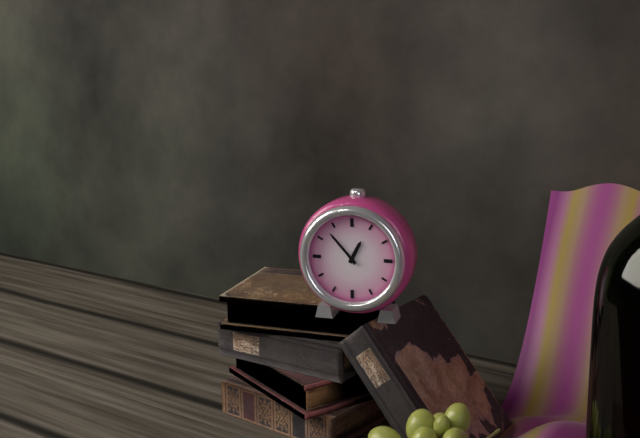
12:53
